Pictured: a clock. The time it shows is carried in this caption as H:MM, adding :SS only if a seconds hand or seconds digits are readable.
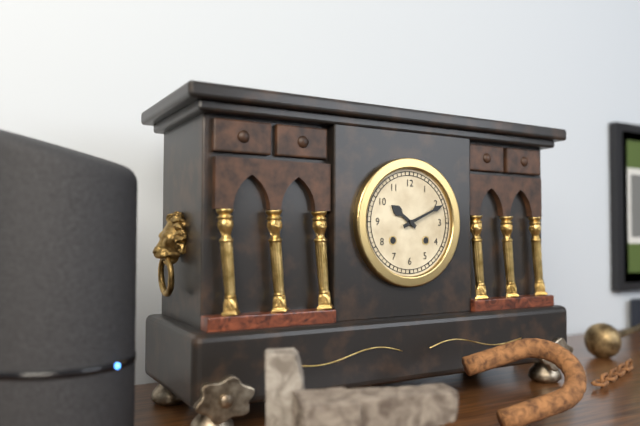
10:11
